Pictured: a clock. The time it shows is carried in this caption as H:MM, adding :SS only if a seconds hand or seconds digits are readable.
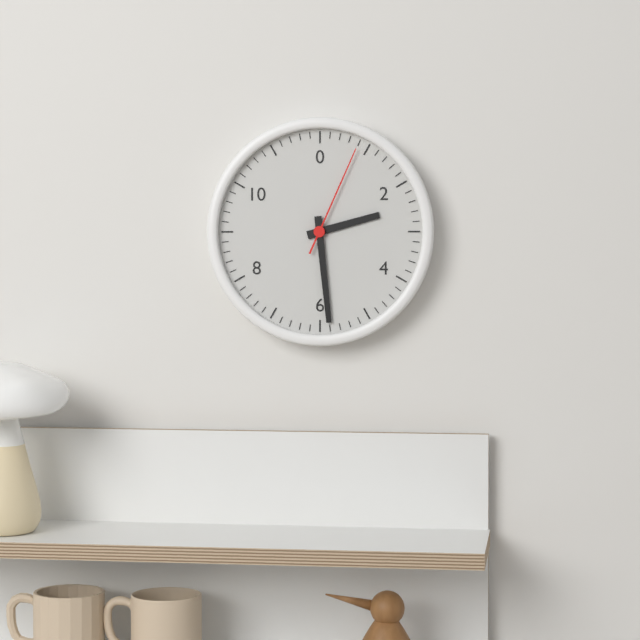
2:29:04
